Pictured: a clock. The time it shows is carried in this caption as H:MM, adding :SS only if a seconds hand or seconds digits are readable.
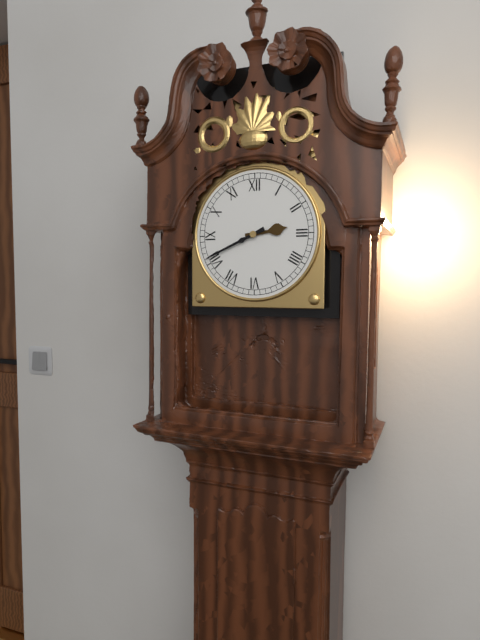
2:41
